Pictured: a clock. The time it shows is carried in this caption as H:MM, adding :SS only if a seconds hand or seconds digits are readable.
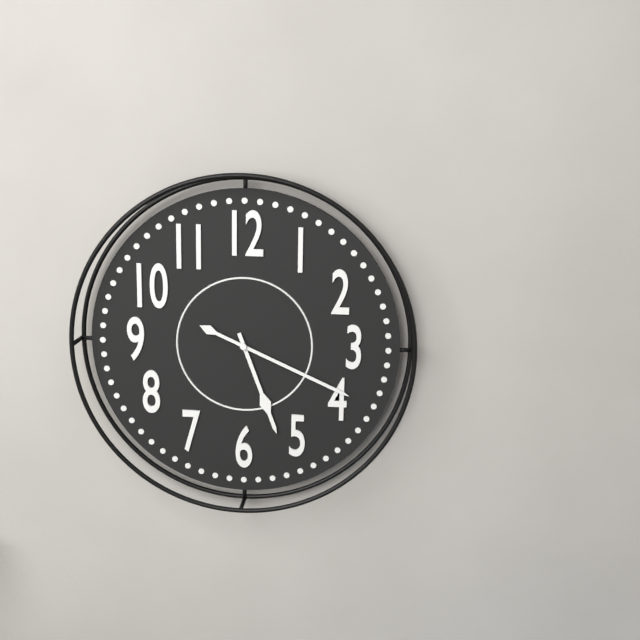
5:19
